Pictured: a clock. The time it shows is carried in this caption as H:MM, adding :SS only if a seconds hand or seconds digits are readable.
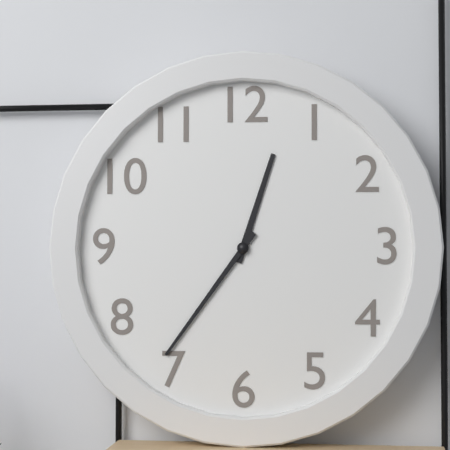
12:36
